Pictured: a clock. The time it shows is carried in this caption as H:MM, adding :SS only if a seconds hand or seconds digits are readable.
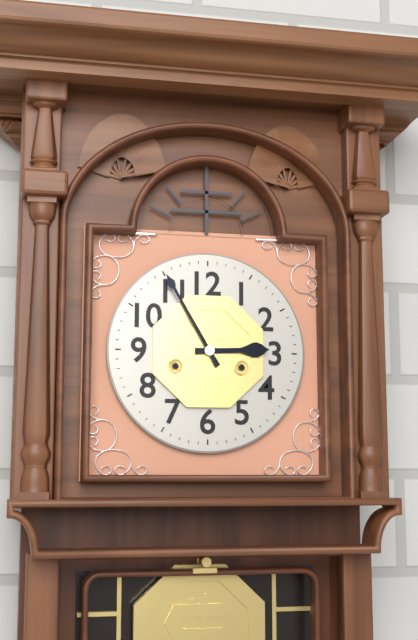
2:55
